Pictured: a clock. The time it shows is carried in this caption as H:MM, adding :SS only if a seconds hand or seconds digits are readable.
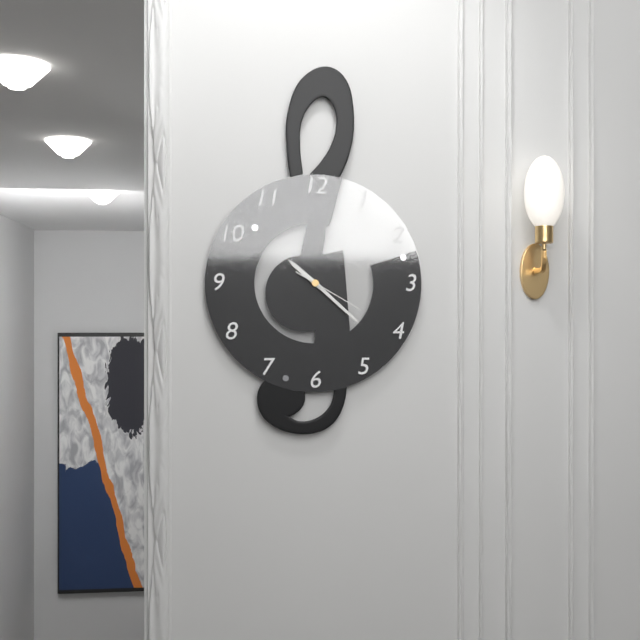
10:22:20
